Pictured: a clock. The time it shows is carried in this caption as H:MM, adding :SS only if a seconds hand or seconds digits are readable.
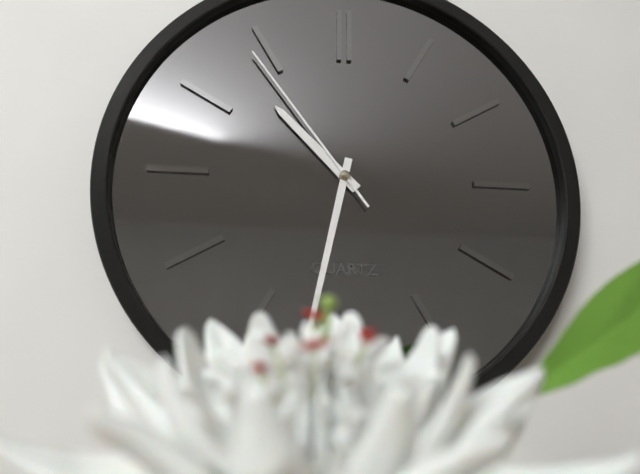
10:32:54
